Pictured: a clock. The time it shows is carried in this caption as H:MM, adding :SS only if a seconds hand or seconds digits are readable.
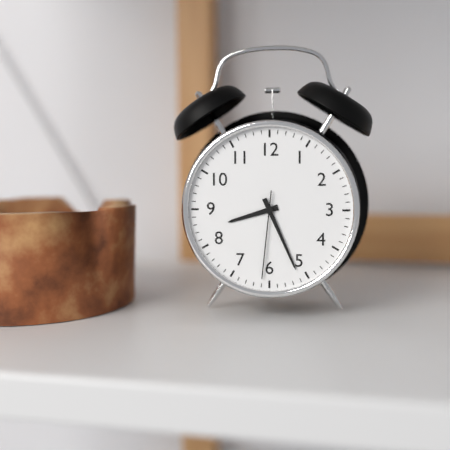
8:26:31
